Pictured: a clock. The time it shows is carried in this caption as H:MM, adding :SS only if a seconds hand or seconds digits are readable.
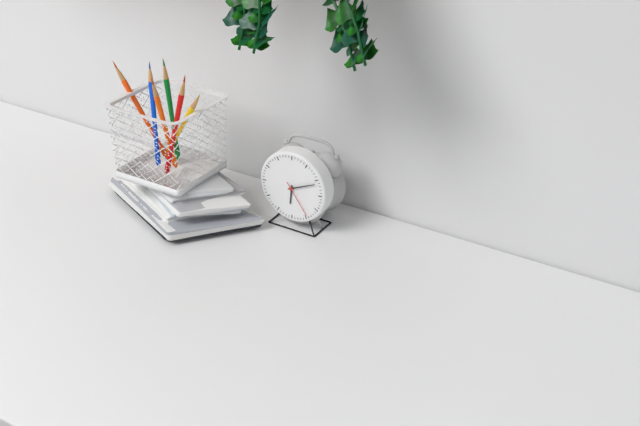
6:11
